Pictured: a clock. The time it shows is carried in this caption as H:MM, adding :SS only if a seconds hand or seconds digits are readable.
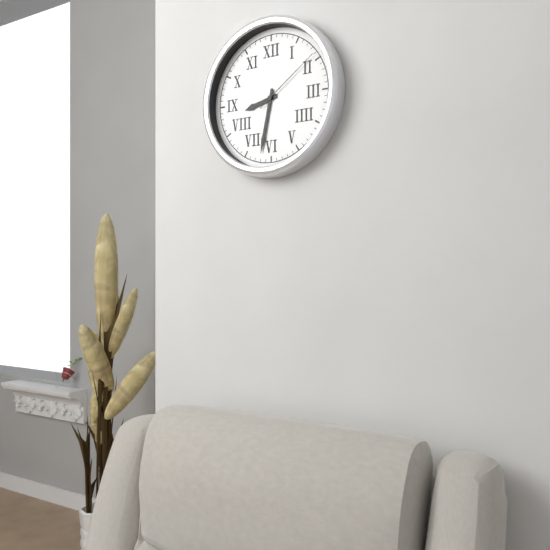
8:32:09
